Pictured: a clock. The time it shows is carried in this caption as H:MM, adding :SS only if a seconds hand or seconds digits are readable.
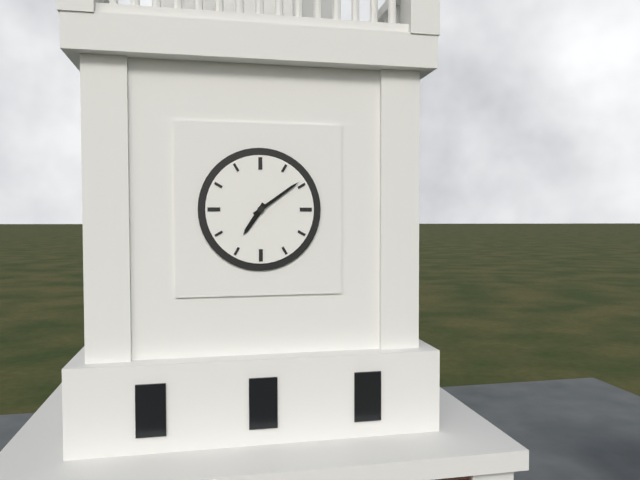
7:09
